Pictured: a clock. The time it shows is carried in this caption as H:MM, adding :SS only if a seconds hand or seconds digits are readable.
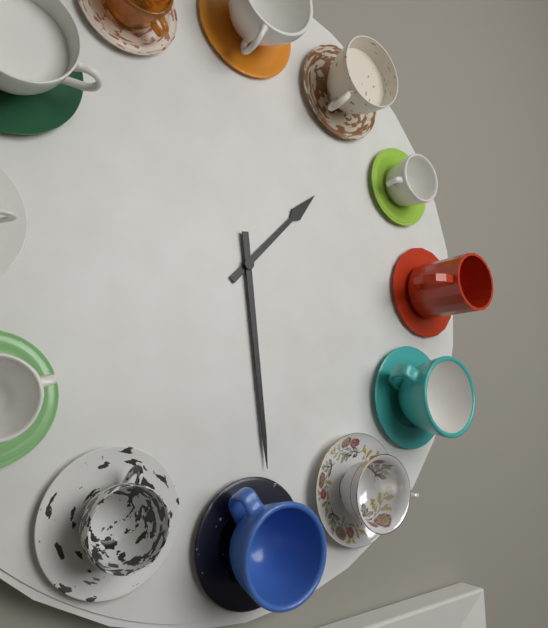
1:29
